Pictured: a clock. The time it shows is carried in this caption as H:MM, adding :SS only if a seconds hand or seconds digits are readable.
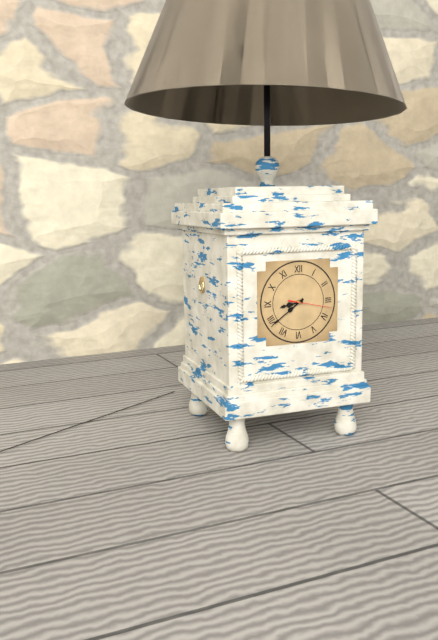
8:39
